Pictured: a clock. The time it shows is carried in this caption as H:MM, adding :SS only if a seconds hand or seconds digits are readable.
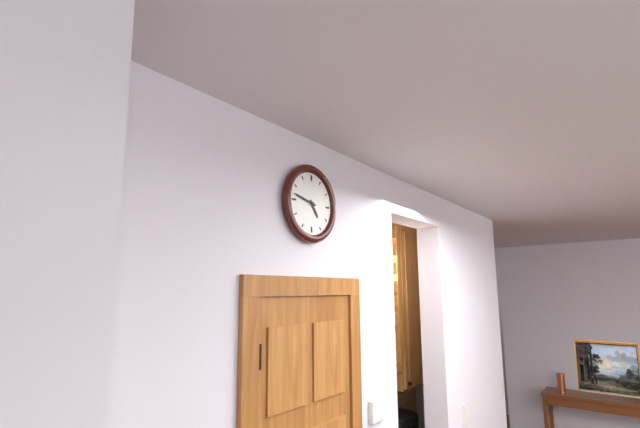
4:47
